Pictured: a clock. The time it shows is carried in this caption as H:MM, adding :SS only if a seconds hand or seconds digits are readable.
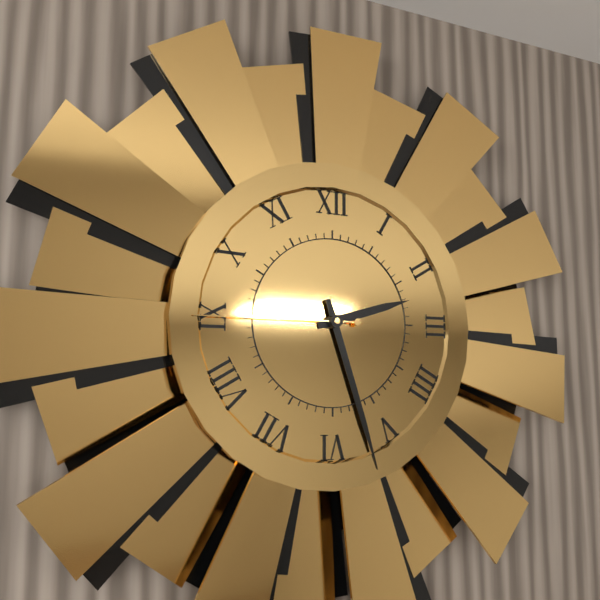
2:27:45
